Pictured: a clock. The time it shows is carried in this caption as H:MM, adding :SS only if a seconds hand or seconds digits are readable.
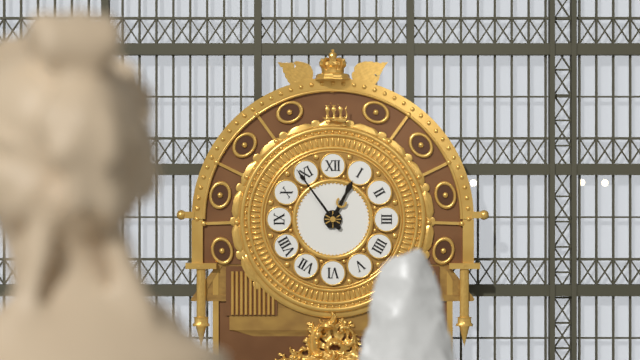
12:54
